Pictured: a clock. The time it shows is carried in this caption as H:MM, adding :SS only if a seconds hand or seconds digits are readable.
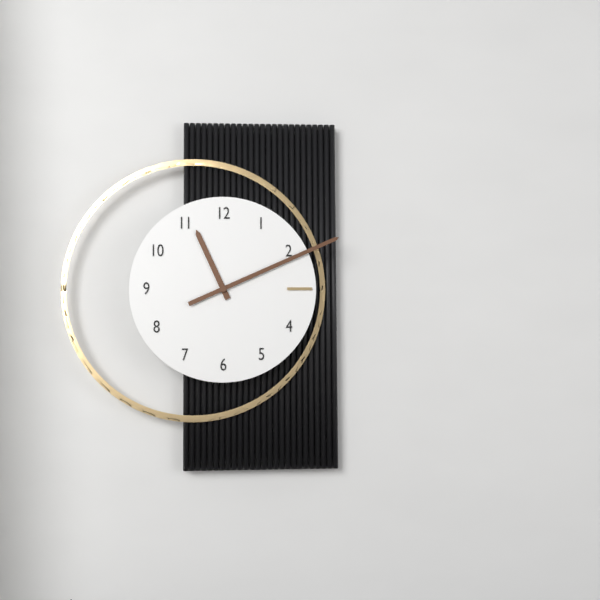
11:11
